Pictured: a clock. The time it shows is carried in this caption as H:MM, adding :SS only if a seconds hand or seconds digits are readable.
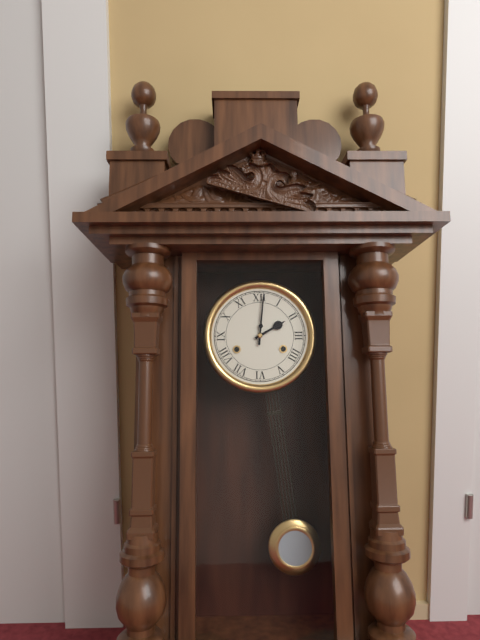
2:01
